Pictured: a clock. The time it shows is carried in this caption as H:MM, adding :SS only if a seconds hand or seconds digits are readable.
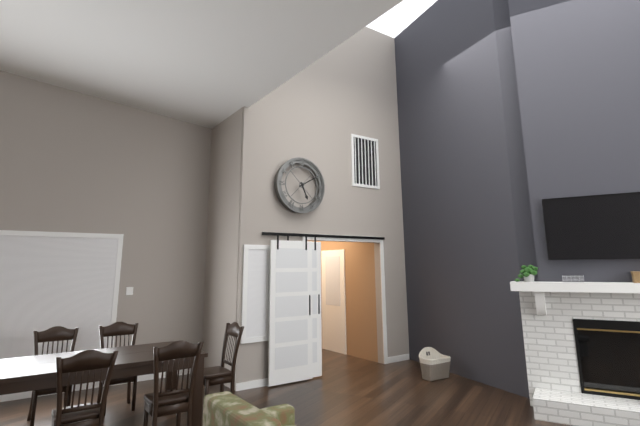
5:10
